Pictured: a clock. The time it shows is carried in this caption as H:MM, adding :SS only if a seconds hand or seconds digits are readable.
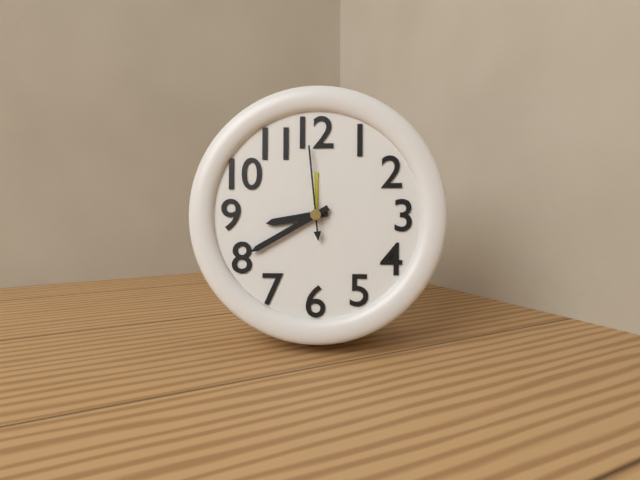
8:40:59
